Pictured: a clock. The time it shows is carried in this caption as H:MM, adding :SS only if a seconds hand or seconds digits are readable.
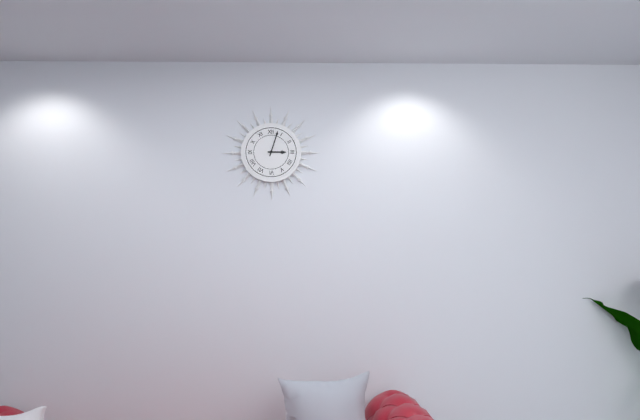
3:03
